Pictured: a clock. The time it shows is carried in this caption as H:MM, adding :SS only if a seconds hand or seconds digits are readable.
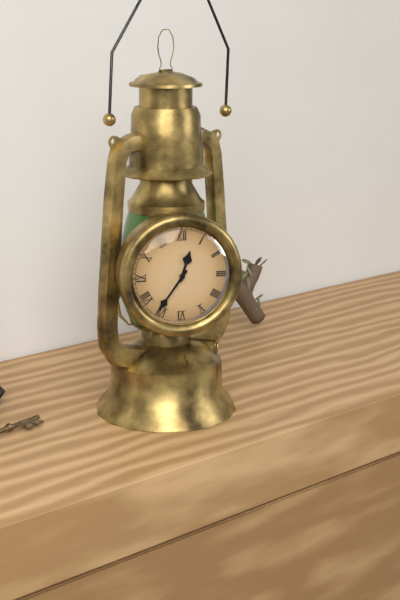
12:36
